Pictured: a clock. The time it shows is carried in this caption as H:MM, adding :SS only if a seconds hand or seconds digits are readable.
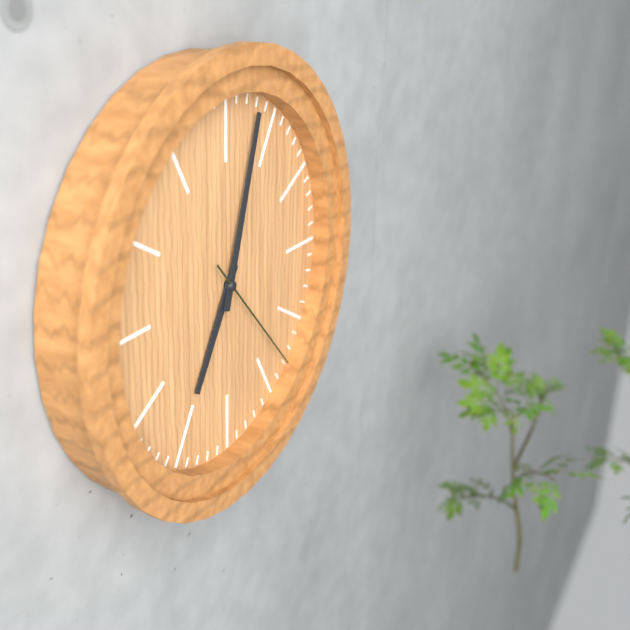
7:03:23
